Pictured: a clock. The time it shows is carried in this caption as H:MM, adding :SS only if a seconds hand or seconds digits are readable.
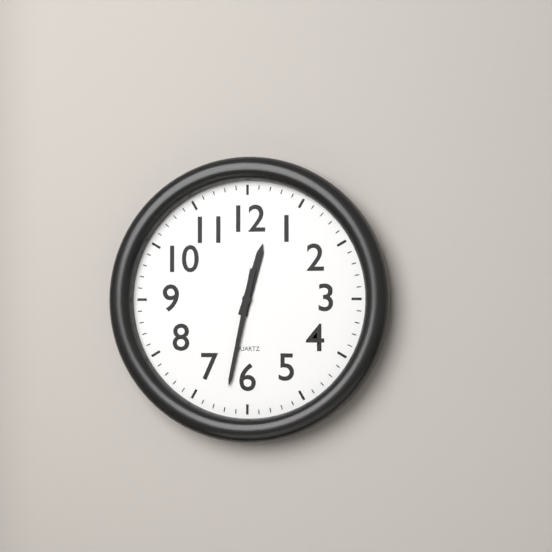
12:32
